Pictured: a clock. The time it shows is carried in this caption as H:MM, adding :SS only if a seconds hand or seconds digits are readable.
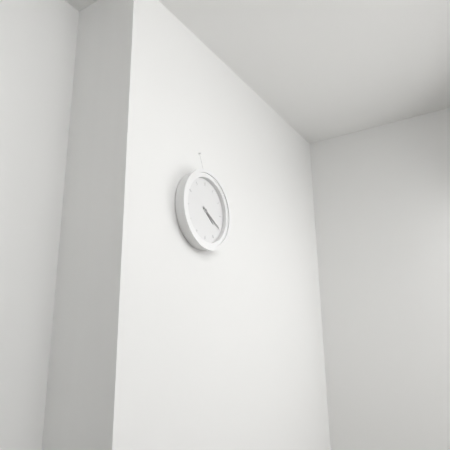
4:20
